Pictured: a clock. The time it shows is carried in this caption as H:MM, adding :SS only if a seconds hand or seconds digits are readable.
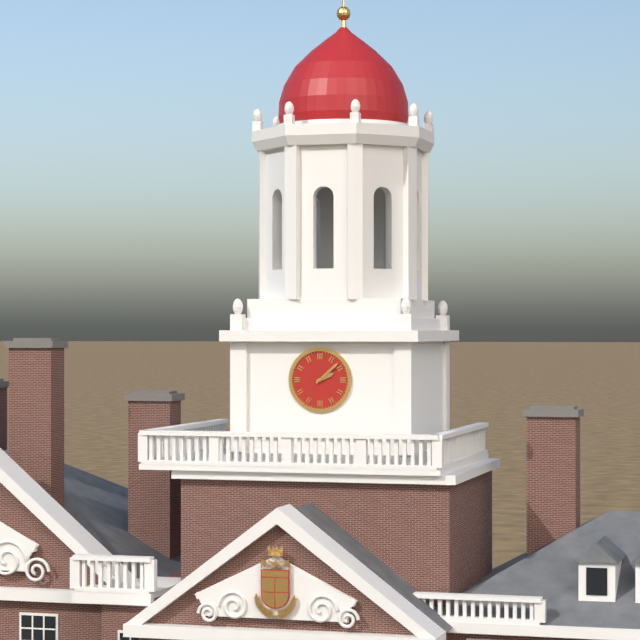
2:08
